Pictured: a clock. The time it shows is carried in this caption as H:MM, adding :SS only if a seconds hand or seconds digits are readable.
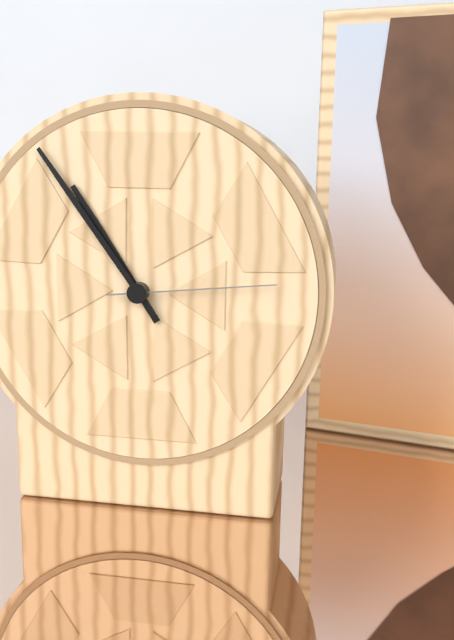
10:54:14
